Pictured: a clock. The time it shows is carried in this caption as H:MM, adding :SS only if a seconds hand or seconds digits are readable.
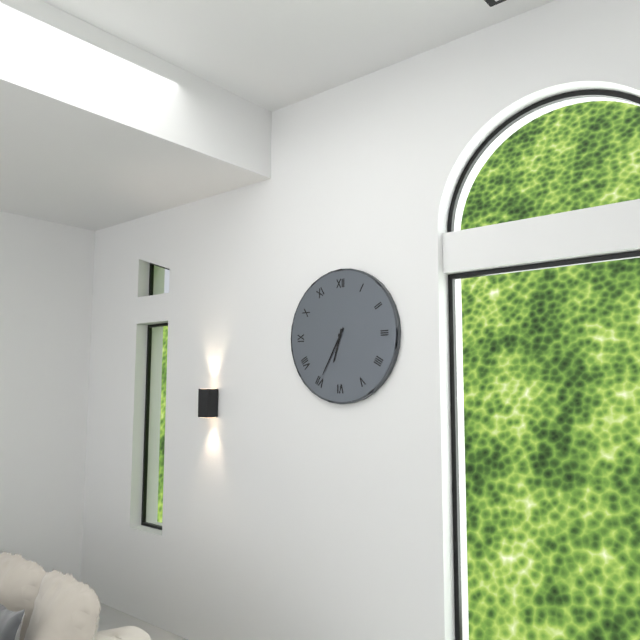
6:35
